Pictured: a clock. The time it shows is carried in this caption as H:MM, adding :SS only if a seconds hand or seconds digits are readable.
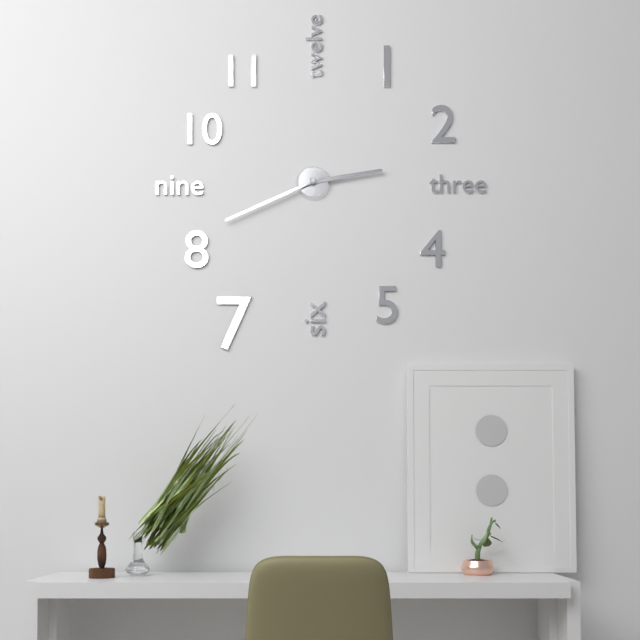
2:41
